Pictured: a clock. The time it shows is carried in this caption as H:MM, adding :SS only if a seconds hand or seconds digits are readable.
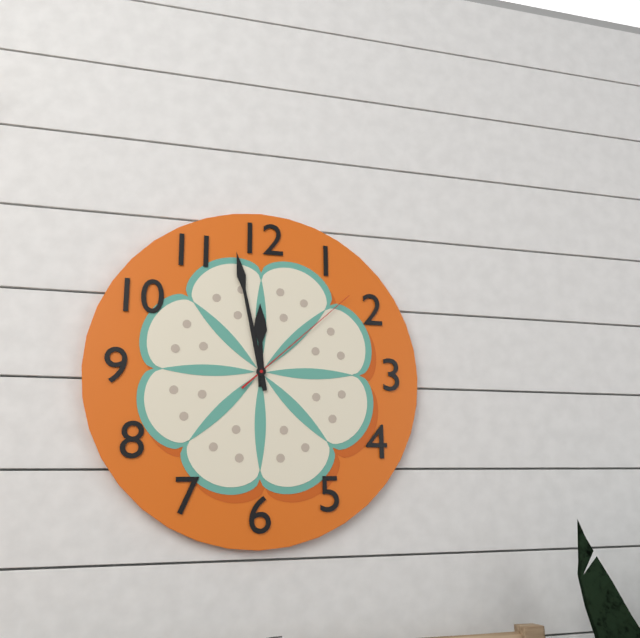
11:58:08
